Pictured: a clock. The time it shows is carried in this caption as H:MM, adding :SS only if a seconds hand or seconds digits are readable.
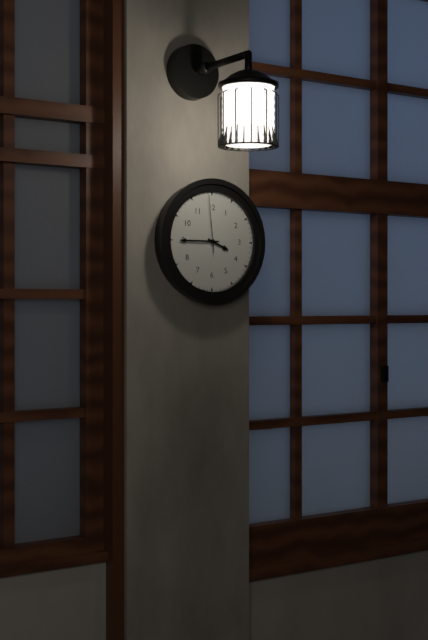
3:45:59
